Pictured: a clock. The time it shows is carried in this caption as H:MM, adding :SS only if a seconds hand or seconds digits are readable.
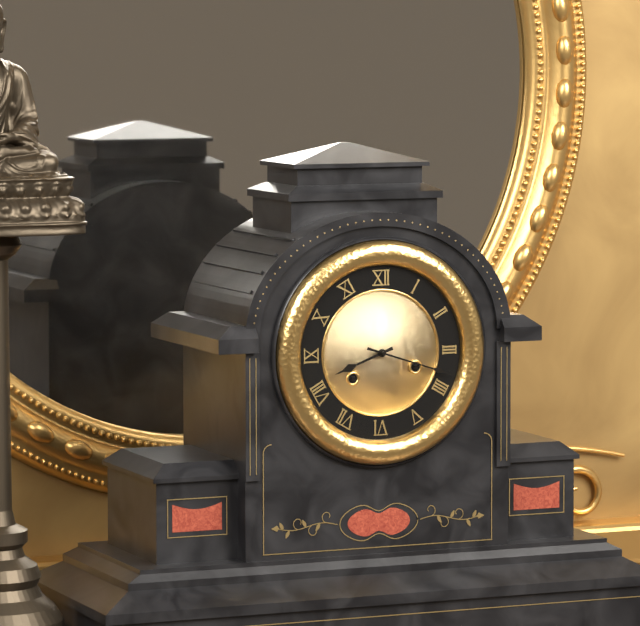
8:18
